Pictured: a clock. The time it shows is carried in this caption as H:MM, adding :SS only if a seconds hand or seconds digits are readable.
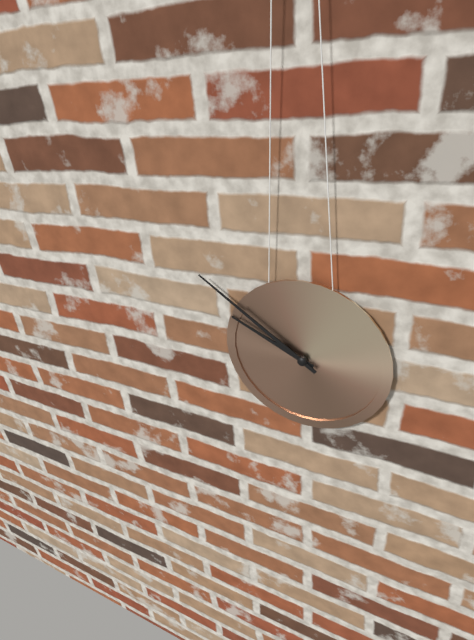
9:51
